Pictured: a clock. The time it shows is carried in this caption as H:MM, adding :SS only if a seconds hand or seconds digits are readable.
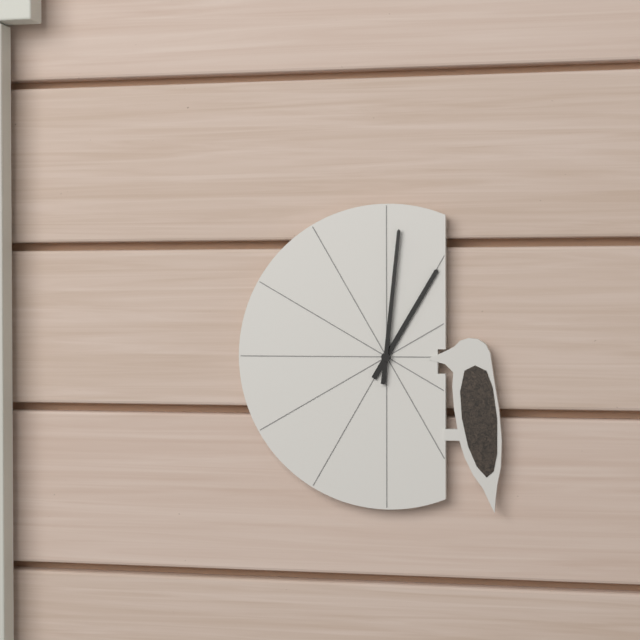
1:01
